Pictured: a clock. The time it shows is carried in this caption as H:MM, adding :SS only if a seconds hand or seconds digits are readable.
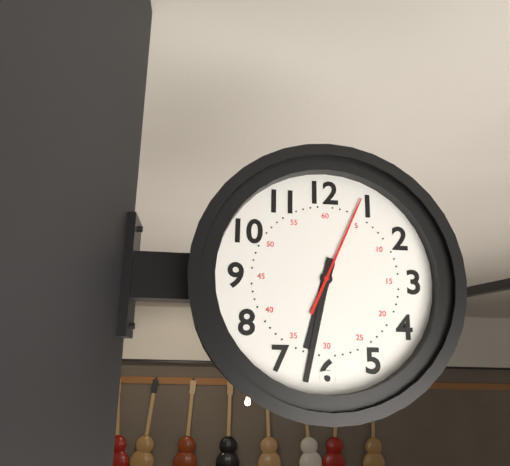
6:32:04
